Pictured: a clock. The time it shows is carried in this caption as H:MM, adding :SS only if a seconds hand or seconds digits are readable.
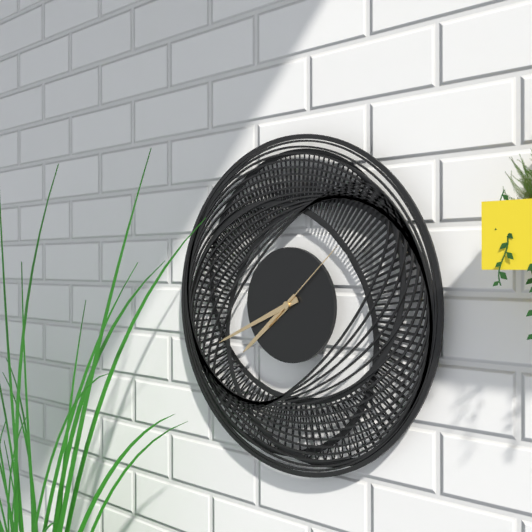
7:41:08
